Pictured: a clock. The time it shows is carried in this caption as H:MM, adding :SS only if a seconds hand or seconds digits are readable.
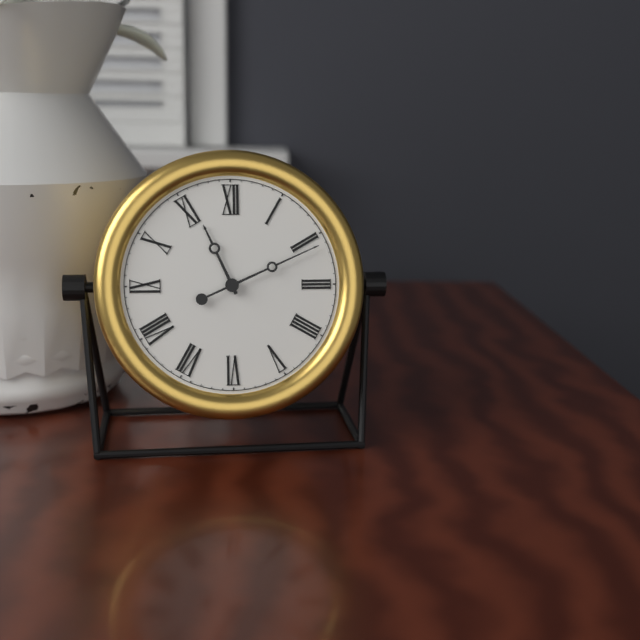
11:11
